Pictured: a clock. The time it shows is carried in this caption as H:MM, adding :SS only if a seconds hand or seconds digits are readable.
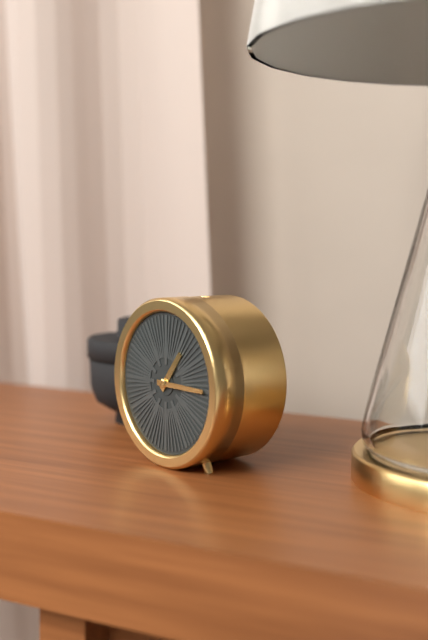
1:15
